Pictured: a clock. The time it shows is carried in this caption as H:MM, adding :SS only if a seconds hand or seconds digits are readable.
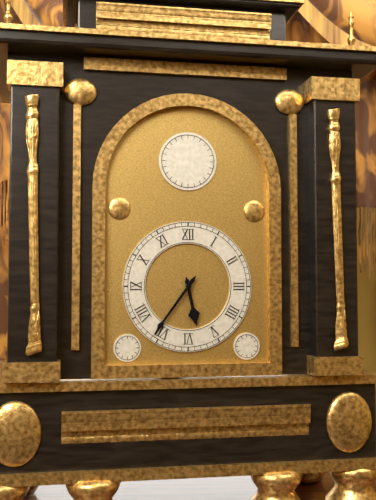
5:36
